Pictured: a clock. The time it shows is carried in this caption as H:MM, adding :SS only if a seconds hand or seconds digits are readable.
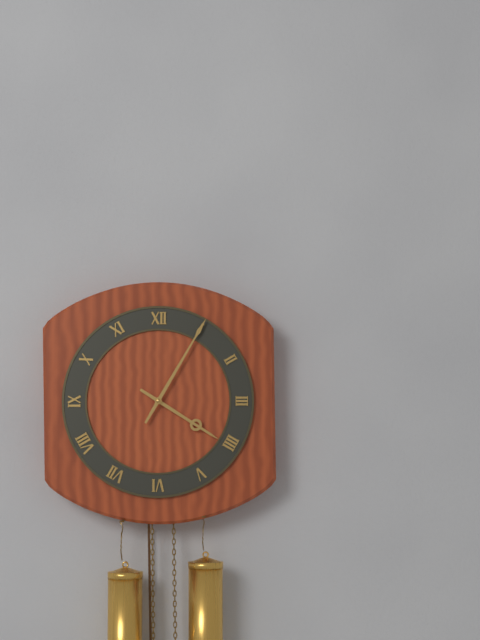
4:05
